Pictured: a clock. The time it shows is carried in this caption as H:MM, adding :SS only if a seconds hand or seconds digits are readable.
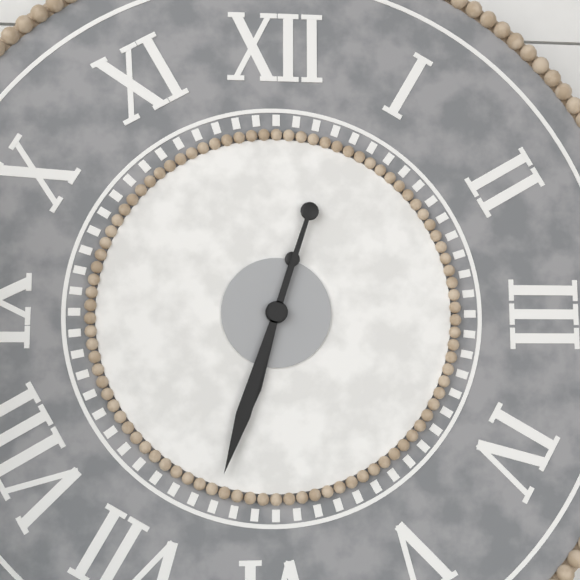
6:33
